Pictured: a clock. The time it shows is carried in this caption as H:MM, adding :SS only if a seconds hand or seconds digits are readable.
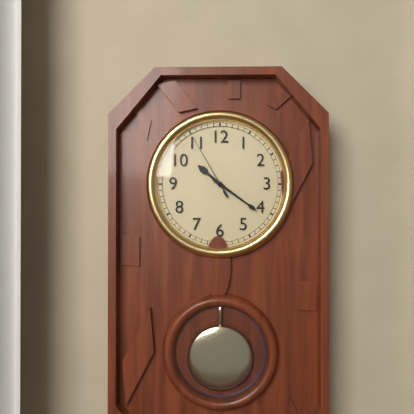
10:21:55
